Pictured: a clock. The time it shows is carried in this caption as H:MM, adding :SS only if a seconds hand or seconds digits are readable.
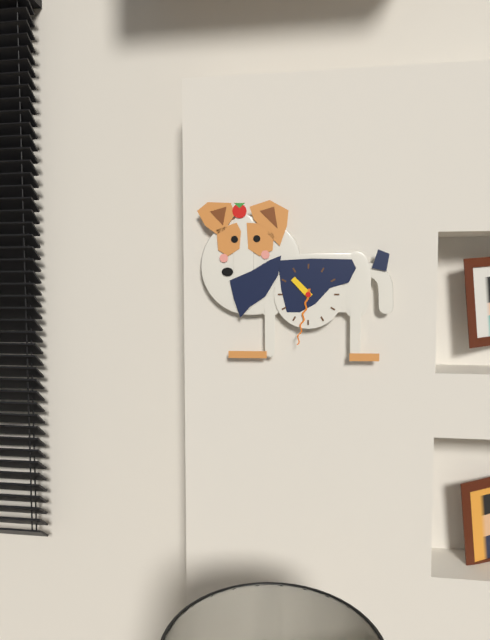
10:32
